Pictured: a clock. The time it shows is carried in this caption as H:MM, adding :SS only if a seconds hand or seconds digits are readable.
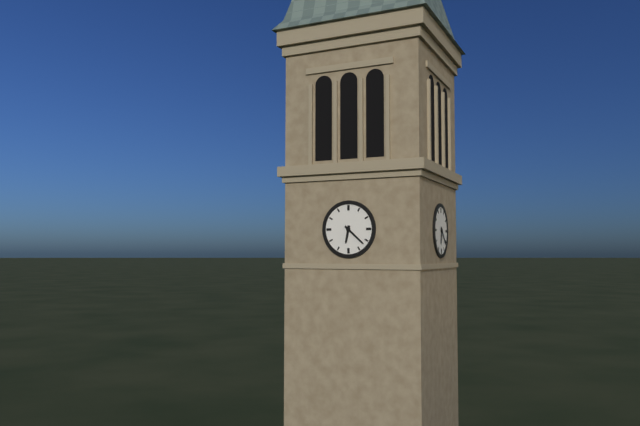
6:22
